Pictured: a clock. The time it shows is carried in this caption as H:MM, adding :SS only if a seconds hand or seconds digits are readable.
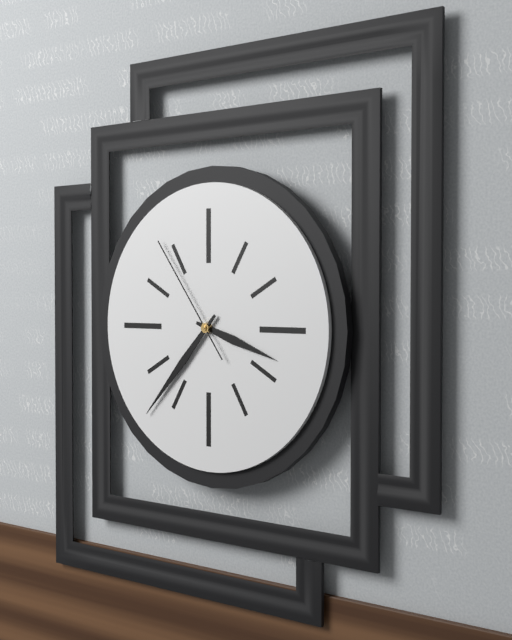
3:37:54
